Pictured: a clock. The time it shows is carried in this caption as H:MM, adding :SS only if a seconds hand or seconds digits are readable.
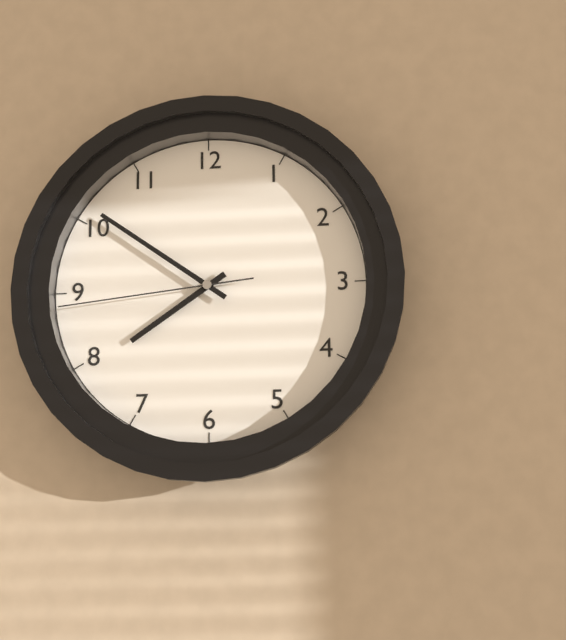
7:51:44
